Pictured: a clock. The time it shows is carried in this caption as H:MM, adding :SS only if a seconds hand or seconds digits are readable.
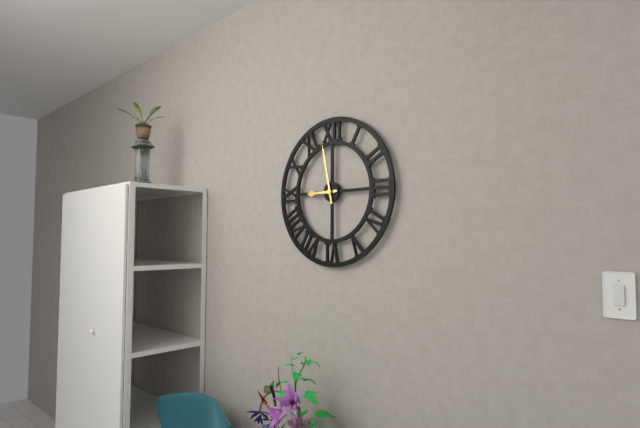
8:58
